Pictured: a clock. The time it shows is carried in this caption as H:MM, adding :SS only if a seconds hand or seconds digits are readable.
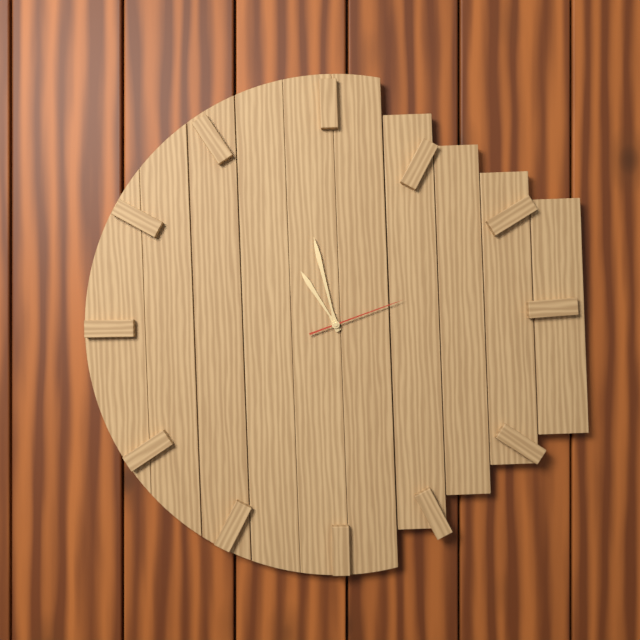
10:58:12
